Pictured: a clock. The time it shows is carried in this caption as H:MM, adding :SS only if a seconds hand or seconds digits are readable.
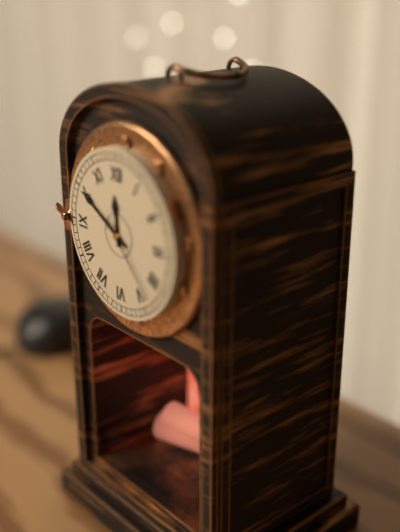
11:50:23
